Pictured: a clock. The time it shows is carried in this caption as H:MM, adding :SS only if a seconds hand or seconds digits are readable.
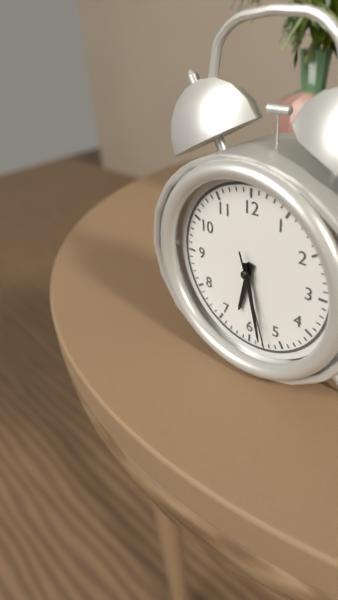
6:28:27
